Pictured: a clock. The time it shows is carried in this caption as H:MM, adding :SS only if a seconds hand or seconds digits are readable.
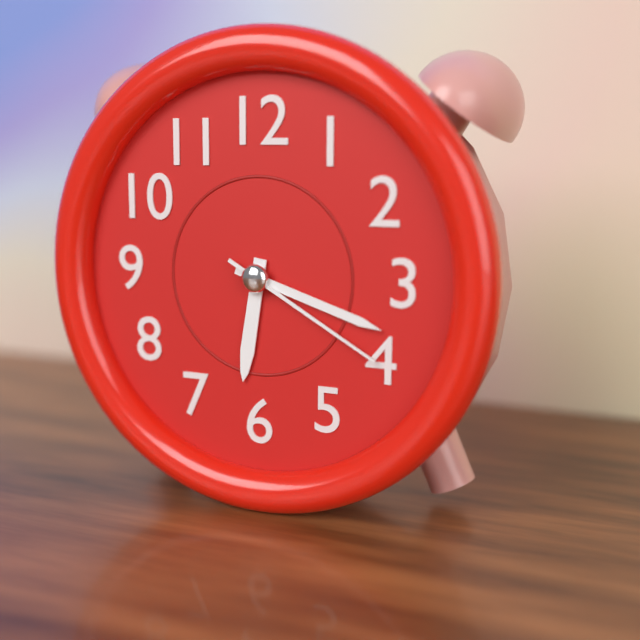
6:18:20
